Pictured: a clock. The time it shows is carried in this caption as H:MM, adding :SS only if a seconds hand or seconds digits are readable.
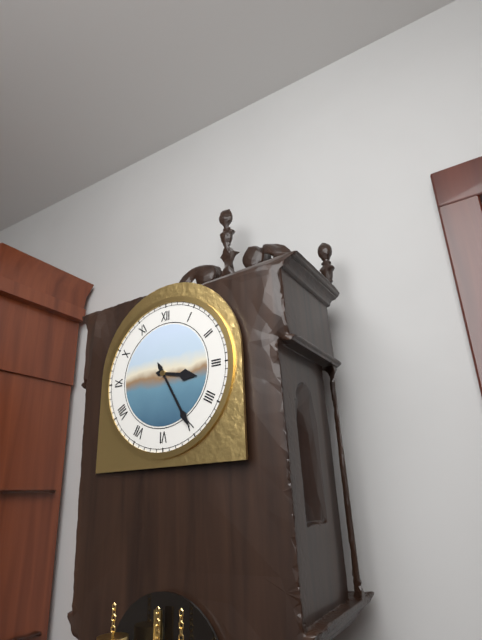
3:25
